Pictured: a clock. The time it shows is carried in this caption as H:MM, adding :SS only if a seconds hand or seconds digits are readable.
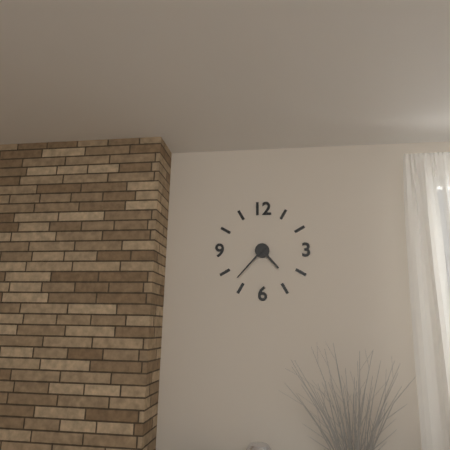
4:37
